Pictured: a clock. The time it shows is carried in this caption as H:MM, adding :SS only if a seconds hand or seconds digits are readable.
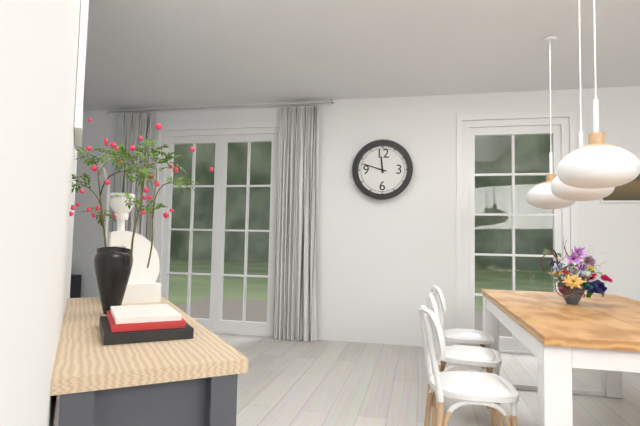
11:48
